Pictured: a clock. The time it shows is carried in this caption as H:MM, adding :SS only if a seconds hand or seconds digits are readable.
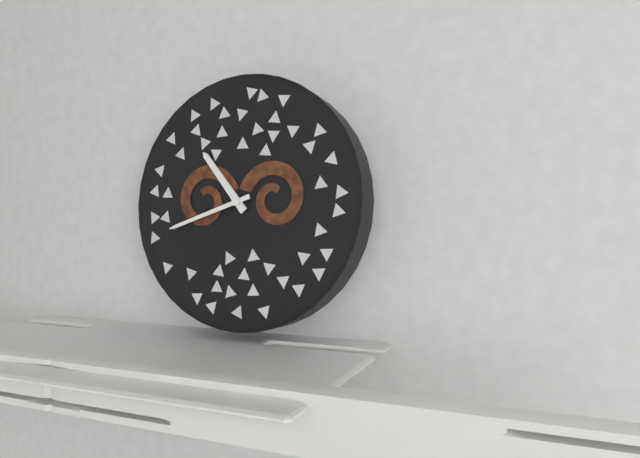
10:42
